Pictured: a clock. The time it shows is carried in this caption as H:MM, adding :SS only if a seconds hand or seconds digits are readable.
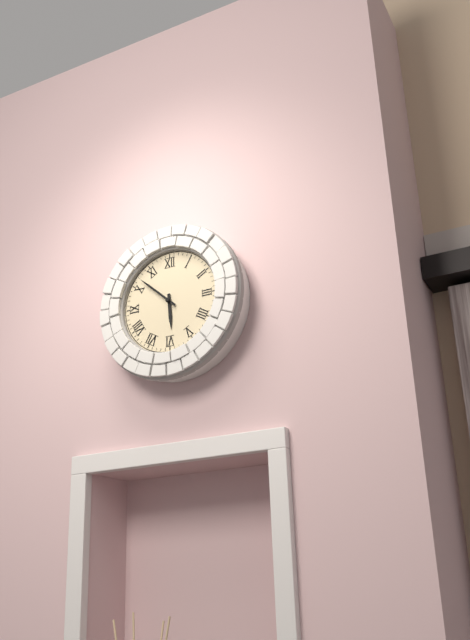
5:52
